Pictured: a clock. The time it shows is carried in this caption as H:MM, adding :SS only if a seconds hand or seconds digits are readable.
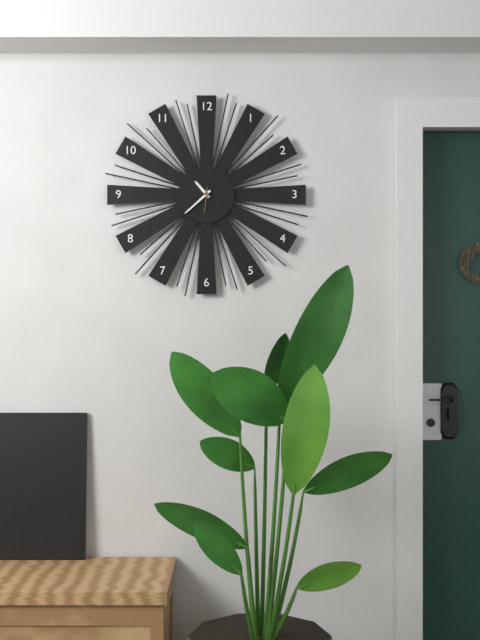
10:38
